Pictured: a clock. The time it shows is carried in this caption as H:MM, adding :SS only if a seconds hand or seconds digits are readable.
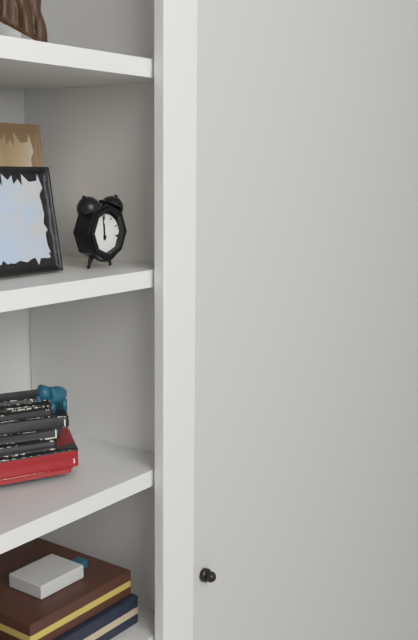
11:59
